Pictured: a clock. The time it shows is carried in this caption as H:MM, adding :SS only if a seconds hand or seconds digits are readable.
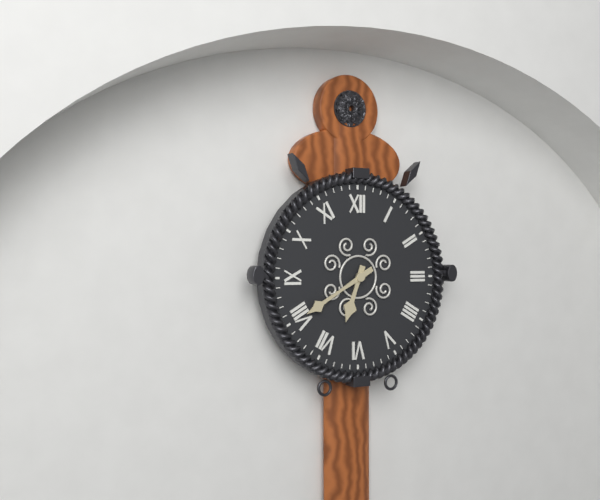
6:40
